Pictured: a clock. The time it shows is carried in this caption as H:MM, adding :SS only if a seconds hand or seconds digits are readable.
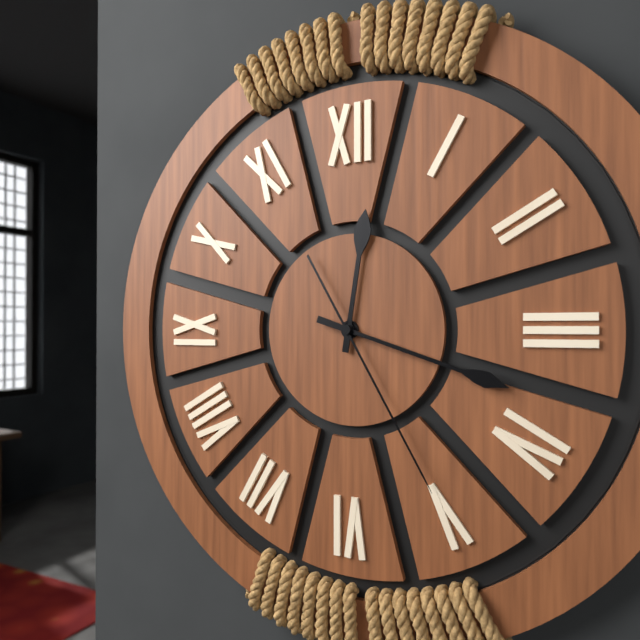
12:18:25
